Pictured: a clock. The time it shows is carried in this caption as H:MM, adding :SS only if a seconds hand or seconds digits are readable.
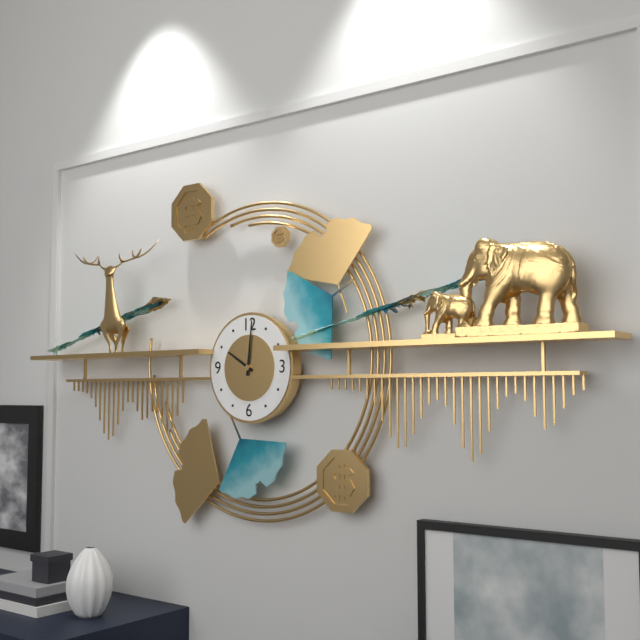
10:01
